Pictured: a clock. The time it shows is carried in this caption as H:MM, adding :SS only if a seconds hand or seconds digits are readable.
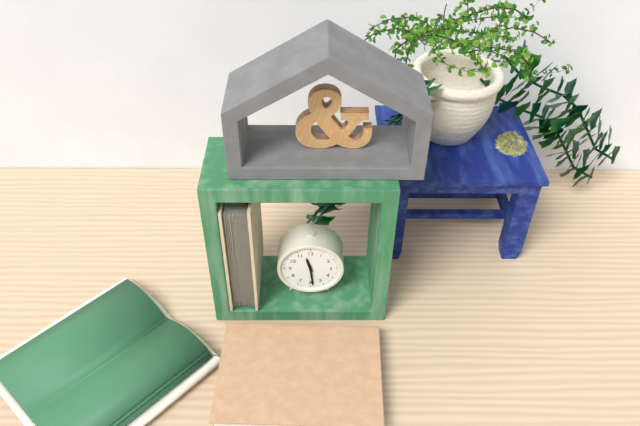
11:29
